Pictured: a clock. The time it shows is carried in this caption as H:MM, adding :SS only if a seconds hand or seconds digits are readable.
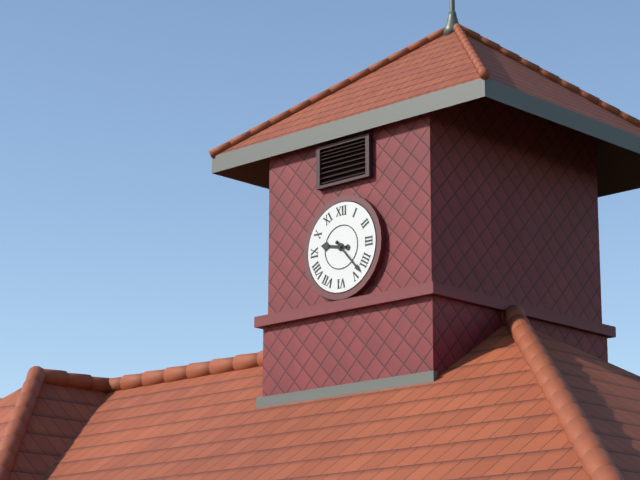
9:23
